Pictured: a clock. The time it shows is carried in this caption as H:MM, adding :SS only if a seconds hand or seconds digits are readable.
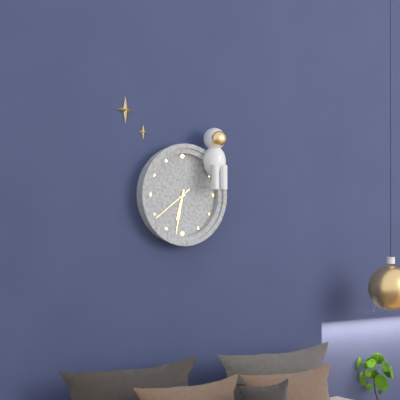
6:32
